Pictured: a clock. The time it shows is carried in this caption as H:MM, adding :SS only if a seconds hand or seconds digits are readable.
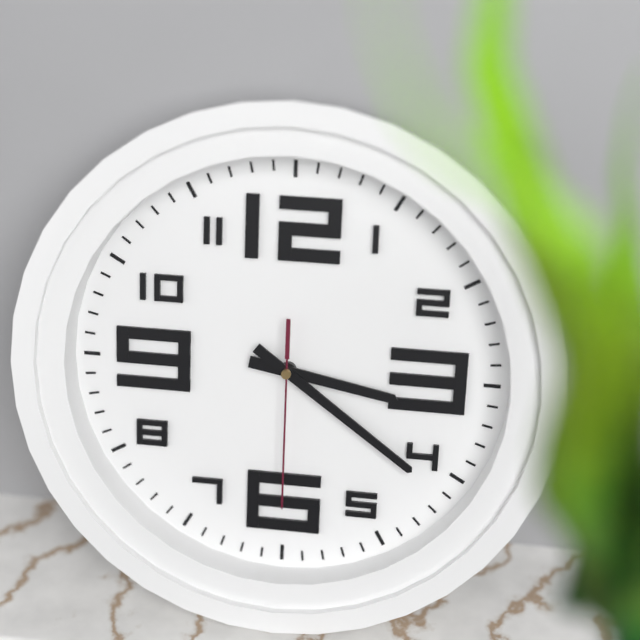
3:21:30
